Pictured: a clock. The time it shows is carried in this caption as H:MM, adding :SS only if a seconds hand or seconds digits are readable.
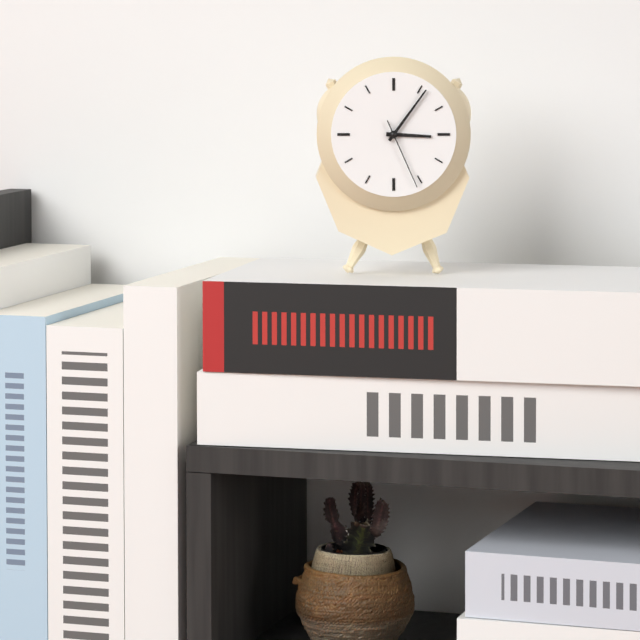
3:06:26
